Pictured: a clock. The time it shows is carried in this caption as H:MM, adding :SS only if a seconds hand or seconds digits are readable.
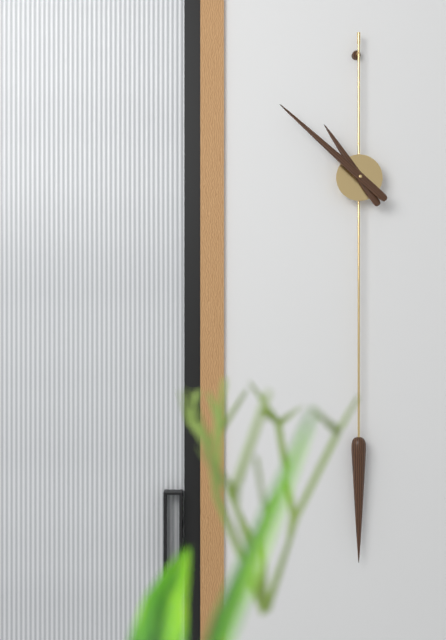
10:52
